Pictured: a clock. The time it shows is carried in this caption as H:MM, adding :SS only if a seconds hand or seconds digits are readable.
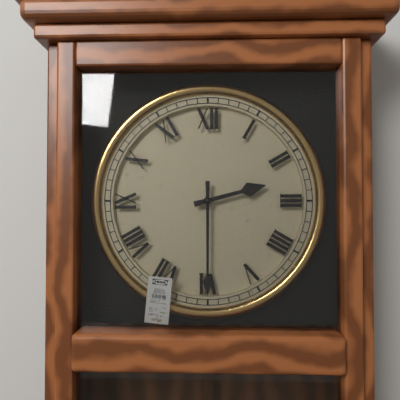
2:30
